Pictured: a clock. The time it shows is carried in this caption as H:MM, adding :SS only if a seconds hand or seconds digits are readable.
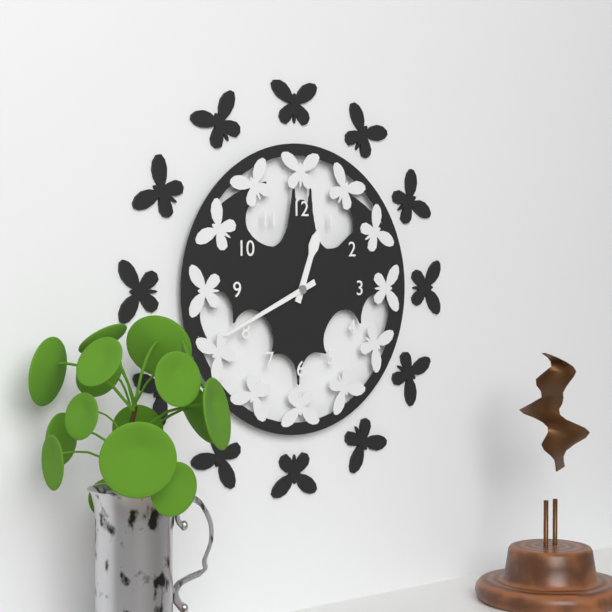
12:41
